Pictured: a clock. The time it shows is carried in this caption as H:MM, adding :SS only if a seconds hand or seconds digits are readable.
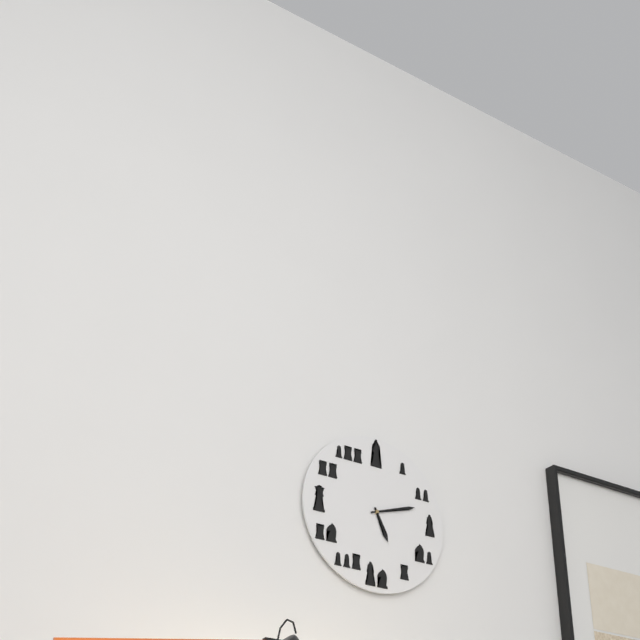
5:12
